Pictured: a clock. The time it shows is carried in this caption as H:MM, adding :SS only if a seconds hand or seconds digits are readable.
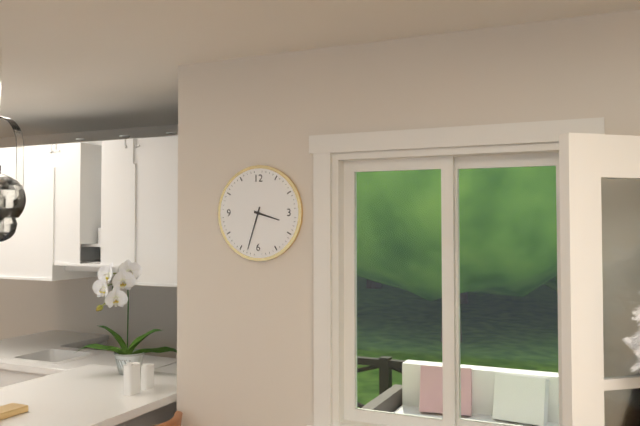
3:33
